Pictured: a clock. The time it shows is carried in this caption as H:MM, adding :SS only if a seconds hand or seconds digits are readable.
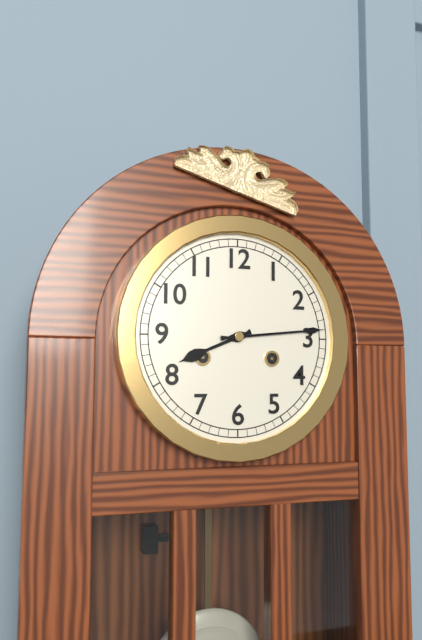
8:14
